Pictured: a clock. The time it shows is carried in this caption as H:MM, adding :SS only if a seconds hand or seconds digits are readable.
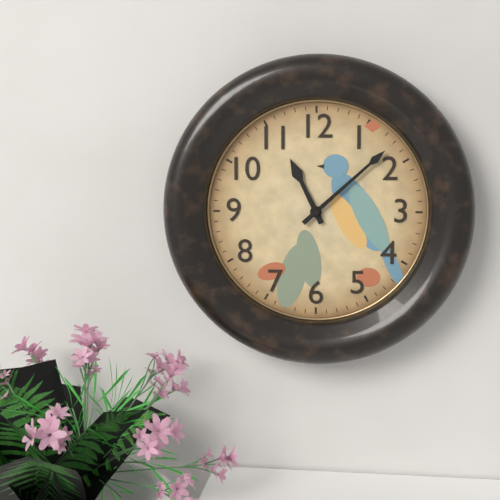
11:08
